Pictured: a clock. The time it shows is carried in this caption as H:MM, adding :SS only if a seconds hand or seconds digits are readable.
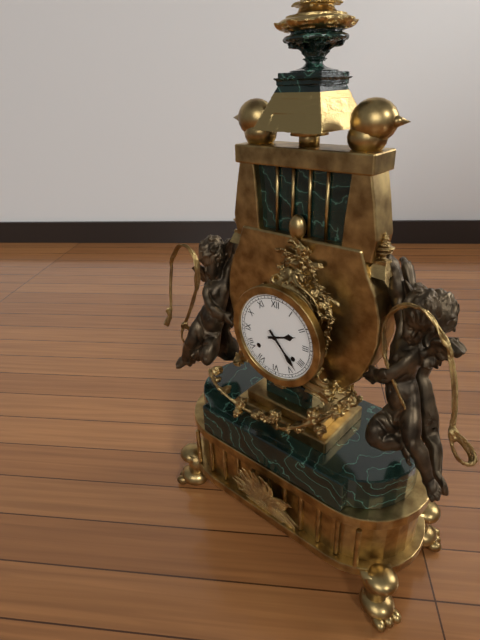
2:23
